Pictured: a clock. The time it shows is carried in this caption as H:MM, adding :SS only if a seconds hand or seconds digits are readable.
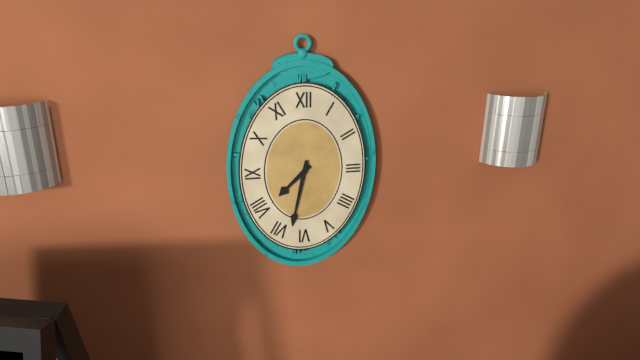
7:32
